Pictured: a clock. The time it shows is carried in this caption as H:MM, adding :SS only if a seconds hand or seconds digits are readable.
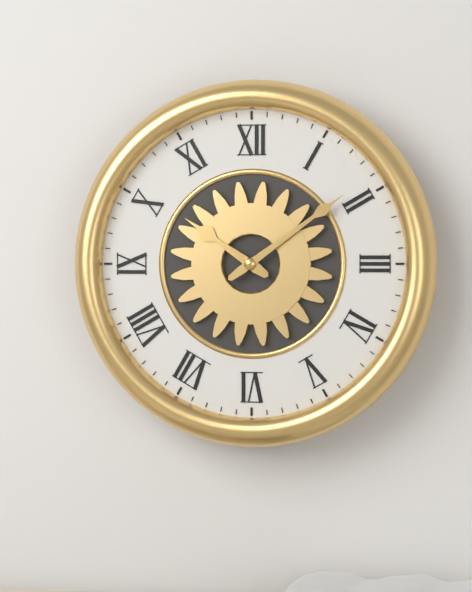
10:09
